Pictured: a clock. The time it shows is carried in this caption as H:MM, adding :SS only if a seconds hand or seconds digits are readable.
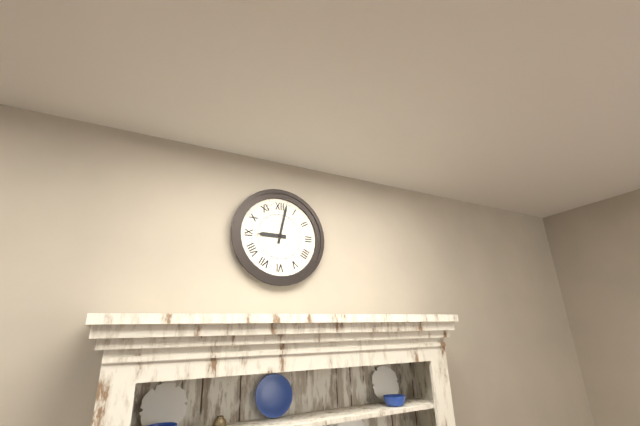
9:02
